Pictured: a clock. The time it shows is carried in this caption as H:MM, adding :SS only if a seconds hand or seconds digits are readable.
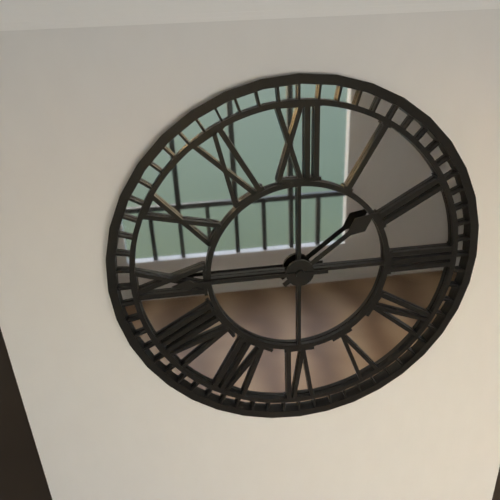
1:45
